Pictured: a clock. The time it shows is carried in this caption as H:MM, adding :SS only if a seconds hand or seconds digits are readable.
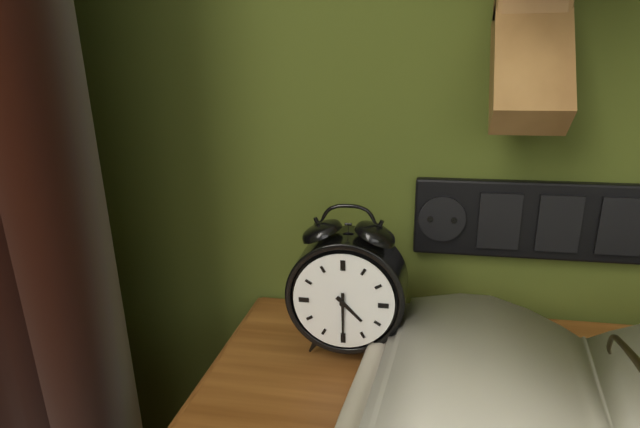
4:30
